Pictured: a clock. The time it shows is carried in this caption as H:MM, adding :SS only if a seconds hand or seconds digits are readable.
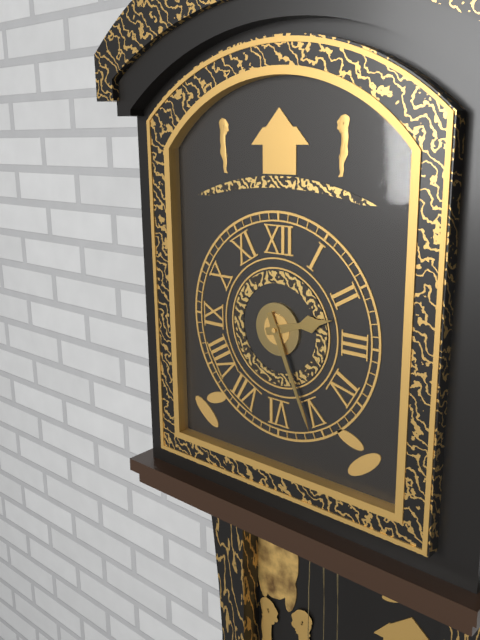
2:26
